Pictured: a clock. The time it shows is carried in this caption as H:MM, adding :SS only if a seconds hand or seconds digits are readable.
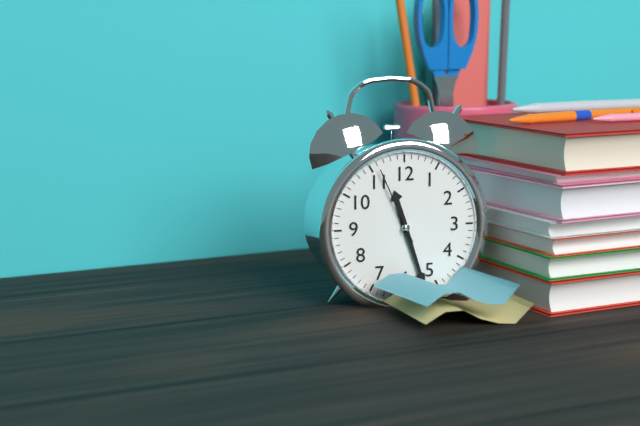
11:27:56
